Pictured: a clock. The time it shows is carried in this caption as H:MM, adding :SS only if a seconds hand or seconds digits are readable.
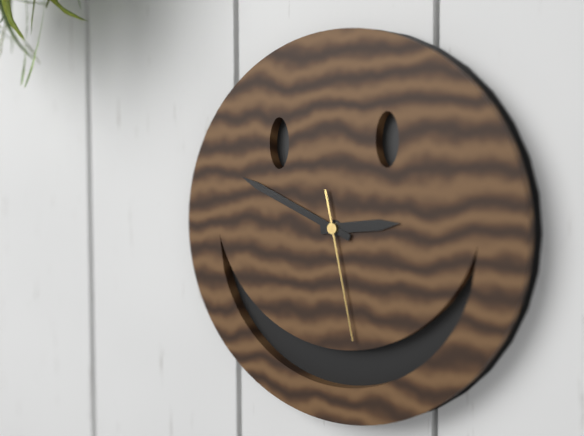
2:49:28
